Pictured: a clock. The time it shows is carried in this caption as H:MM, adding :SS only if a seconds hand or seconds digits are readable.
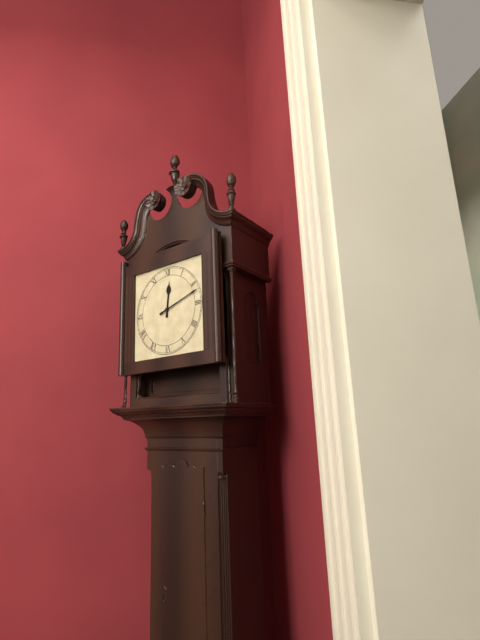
12:12
